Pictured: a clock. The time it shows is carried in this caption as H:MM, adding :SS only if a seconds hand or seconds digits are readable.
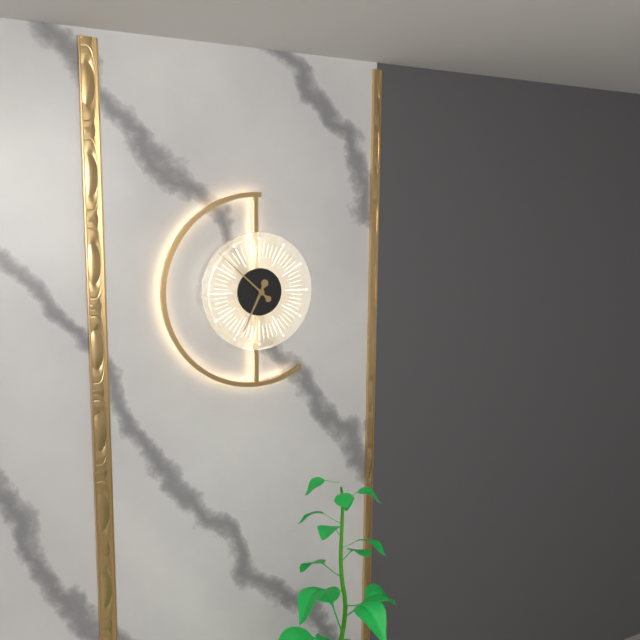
6:52
